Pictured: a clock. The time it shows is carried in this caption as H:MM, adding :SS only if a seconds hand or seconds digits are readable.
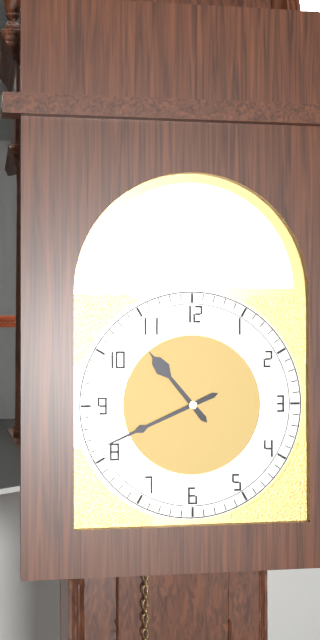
10:41
